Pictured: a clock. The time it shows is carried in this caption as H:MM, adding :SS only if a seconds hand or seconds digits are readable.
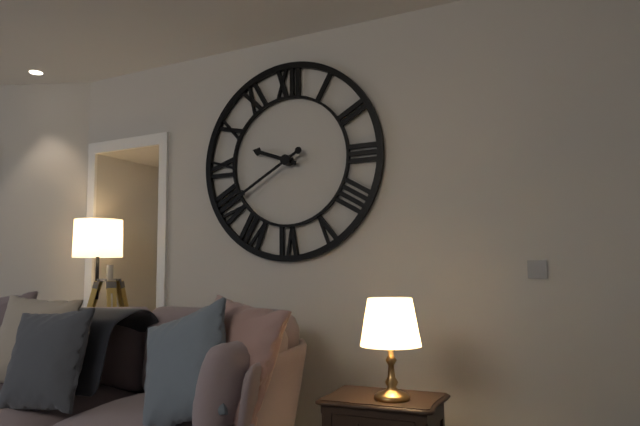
9:40
